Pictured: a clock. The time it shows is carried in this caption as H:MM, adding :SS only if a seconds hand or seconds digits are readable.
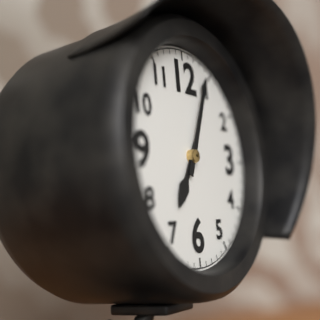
7:04
